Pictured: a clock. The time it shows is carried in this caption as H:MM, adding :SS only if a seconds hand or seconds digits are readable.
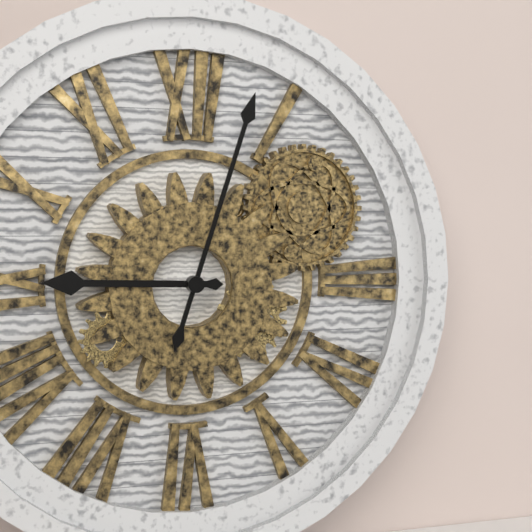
9:03
